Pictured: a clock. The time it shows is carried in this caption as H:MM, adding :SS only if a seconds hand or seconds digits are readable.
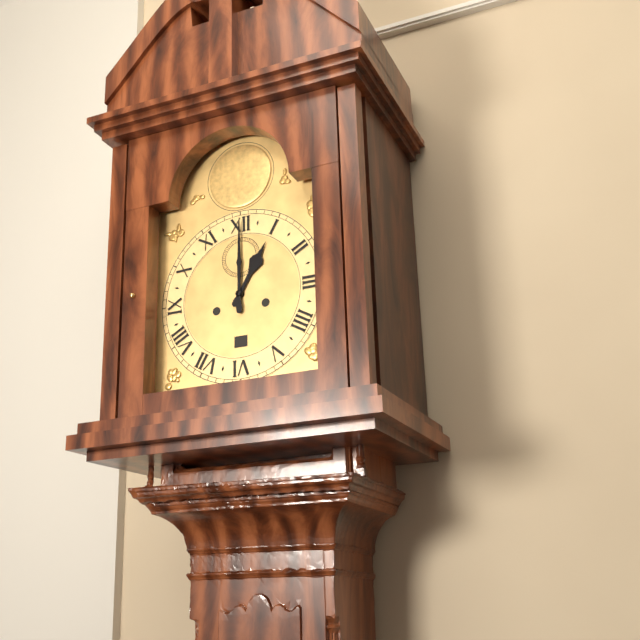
1:00
